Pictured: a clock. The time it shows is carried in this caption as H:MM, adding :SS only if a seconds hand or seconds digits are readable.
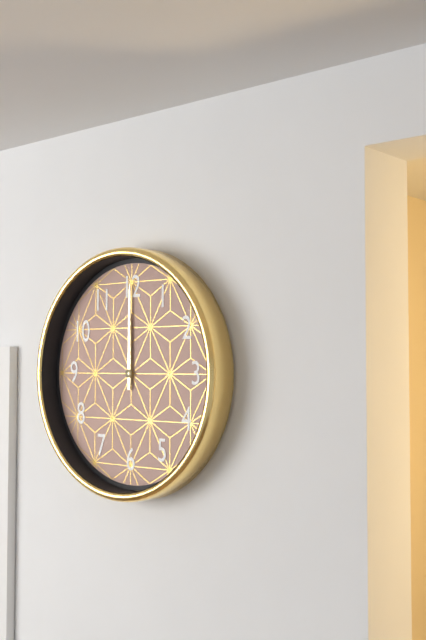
12:00
